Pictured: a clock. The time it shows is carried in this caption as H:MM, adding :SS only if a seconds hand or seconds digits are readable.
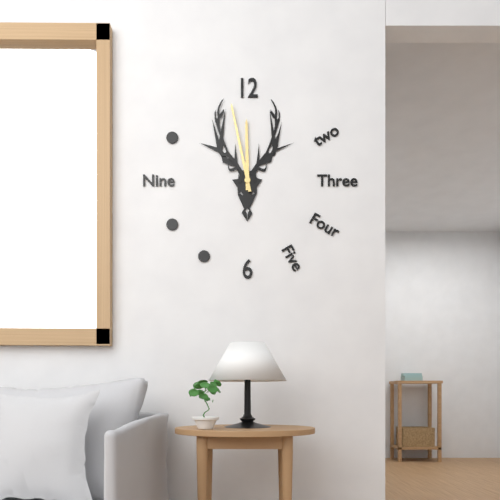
11:58
